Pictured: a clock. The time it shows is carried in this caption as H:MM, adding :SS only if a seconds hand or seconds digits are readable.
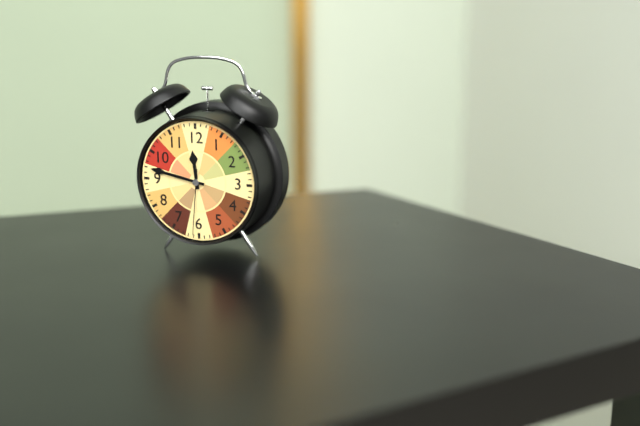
11:47:31
